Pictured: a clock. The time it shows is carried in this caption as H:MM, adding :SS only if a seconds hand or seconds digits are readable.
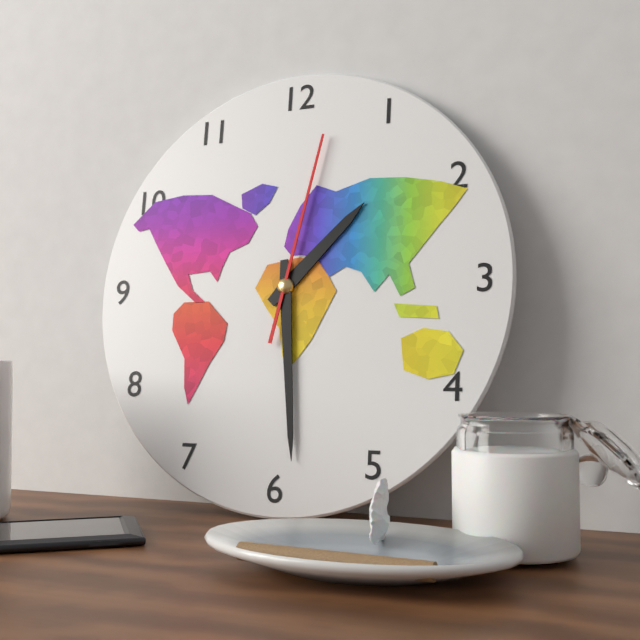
1:29:02
